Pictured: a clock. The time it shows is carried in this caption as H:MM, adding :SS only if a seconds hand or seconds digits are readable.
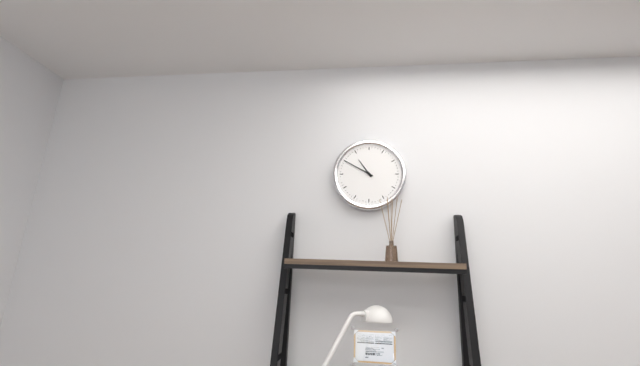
10:50
